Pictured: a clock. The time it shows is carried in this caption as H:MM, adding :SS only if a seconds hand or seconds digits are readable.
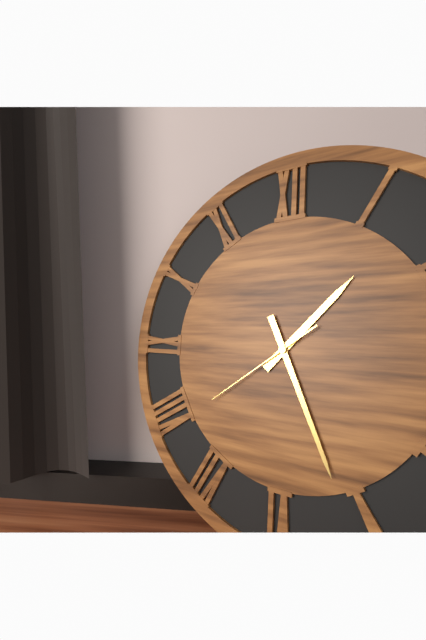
1:26:39
